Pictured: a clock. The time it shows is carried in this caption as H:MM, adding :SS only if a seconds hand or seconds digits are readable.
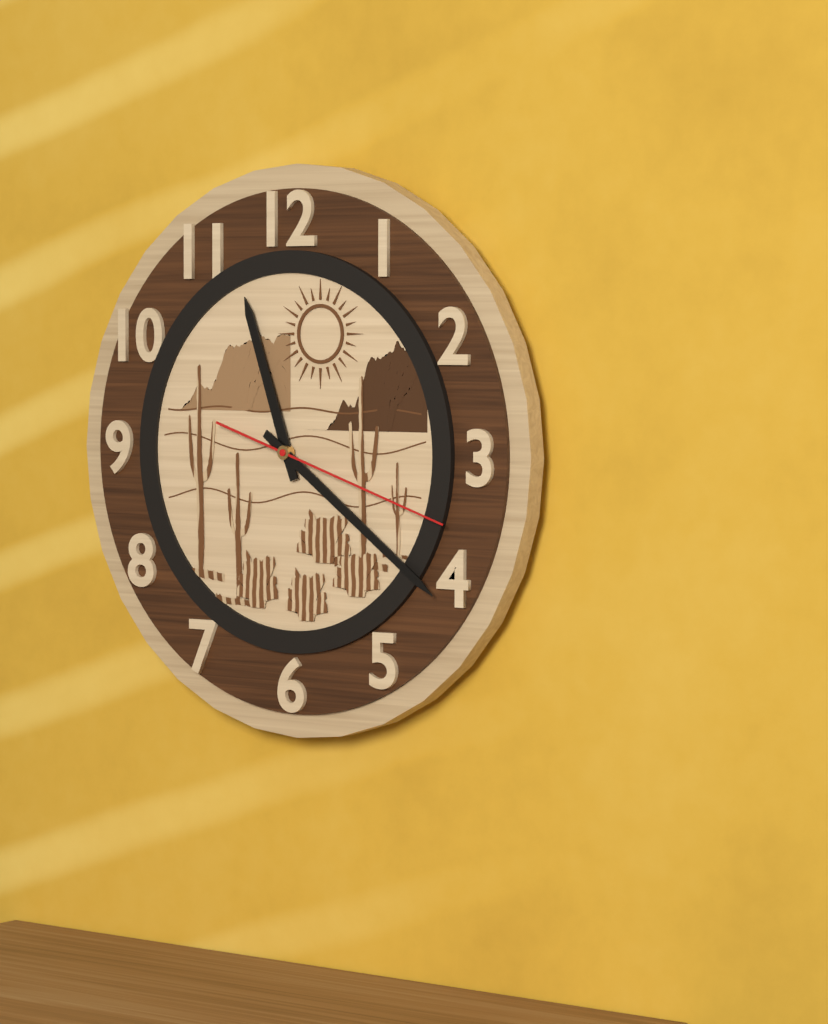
11:21:18
